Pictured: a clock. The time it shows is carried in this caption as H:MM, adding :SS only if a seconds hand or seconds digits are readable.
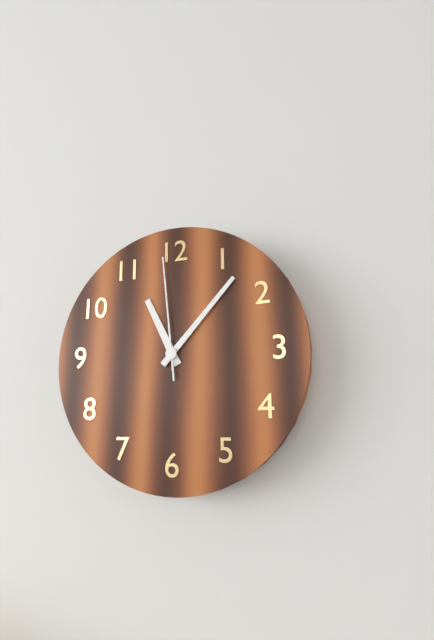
11:07:59
